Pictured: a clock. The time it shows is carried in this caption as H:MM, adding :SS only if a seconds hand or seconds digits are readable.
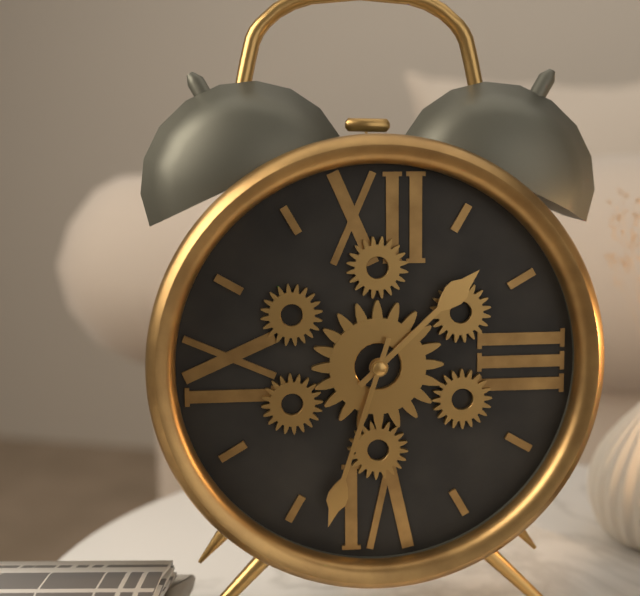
1:33
